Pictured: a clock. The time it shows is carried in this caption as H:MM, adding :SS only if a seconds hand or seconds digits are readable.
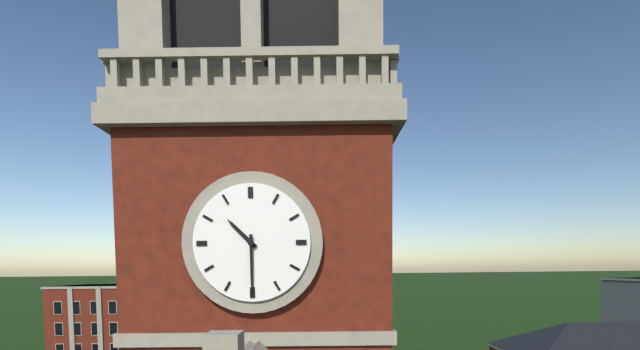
10:30
